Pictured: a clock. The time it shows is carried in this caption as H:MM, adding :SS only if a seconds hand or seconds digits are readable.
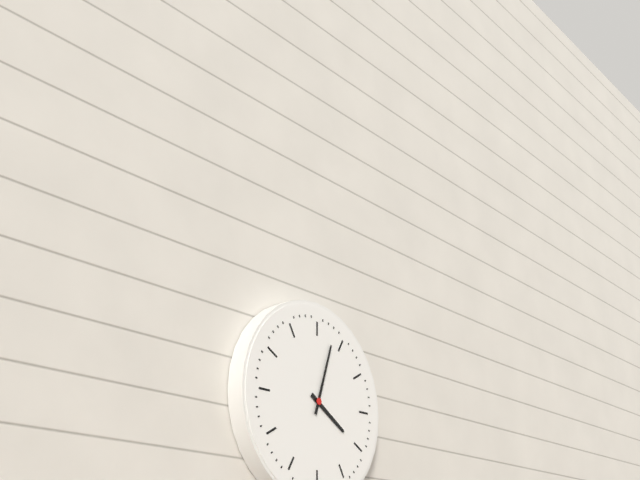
4:03
